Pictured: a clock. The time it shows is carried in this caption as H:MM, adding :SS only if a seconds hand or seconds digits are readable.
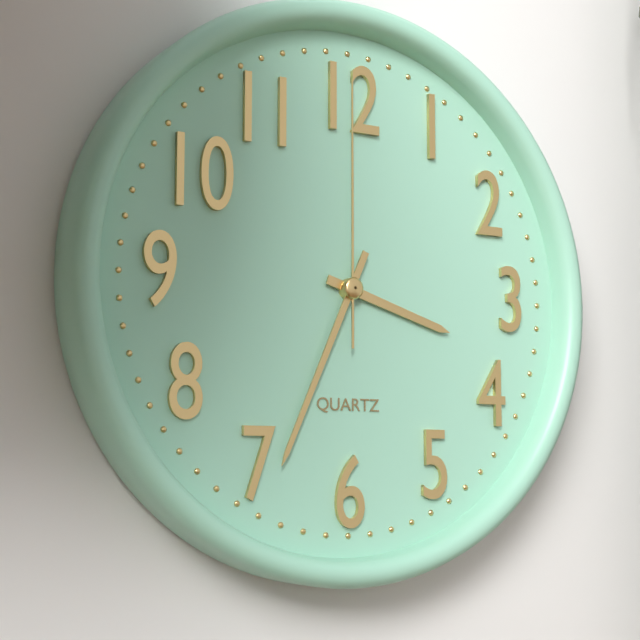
3:34:00
